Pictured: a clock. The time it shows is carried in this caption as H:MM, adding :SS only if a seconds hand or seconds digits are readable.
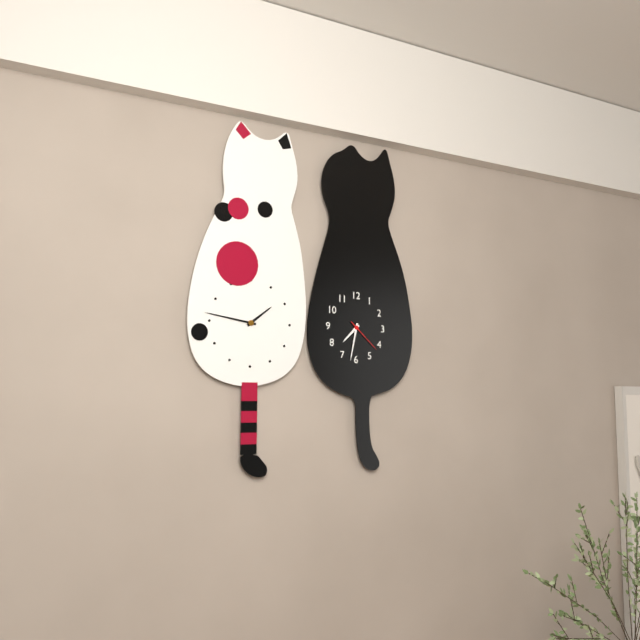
7:32
